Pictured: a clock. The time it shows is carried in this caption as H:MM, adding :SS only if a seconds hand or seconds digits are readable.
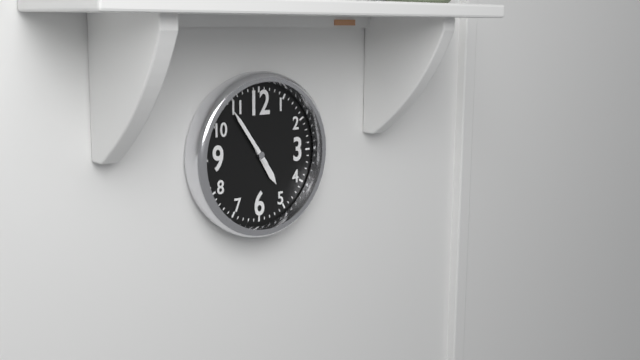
4:54
